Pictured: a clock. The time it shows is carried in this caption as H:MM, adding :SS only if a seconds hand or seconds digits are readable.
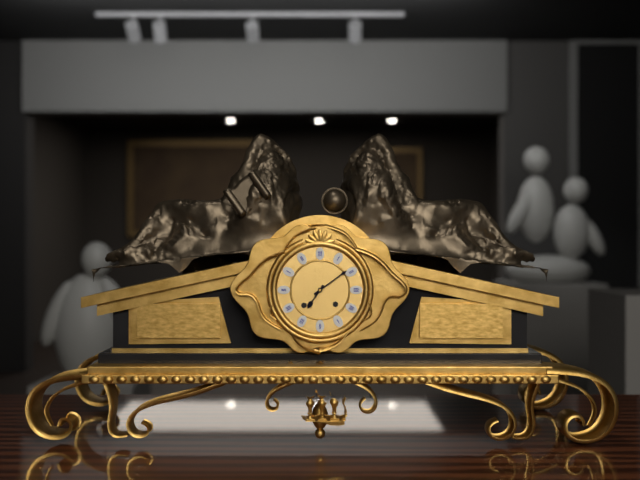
7:09
